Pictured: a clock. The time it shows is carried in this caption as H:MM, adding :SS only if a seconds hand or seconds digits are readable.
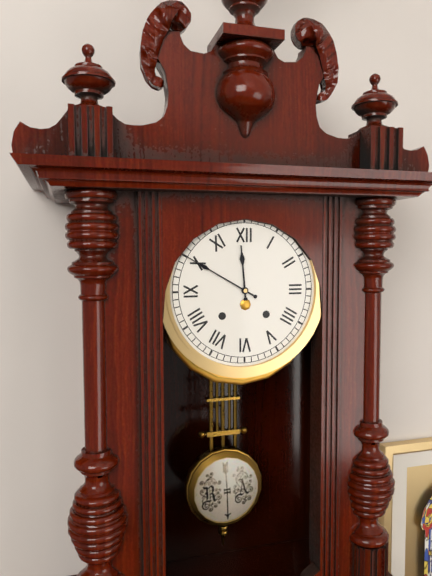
11:50
